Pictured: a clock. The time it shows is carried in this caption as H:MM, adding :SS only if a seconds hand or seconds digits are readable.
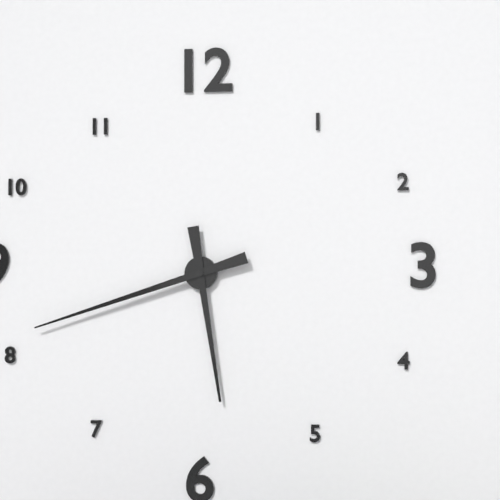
5:42
